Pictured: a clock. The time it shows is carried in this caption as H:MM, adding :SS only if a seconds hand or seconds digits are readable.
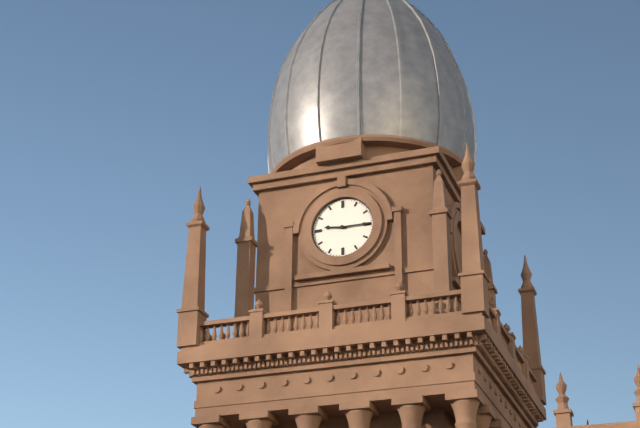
9:15
